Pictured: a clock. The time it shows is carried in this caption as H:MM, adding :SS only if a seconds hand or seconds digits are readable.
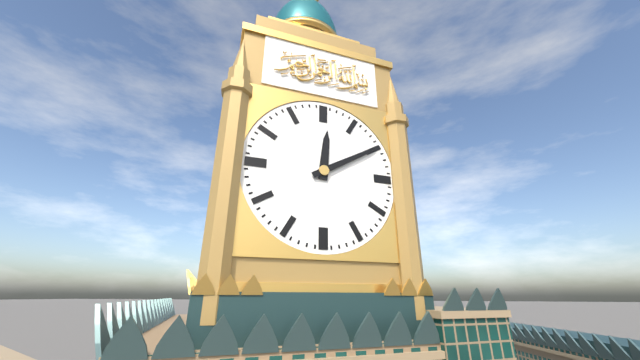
12:10
